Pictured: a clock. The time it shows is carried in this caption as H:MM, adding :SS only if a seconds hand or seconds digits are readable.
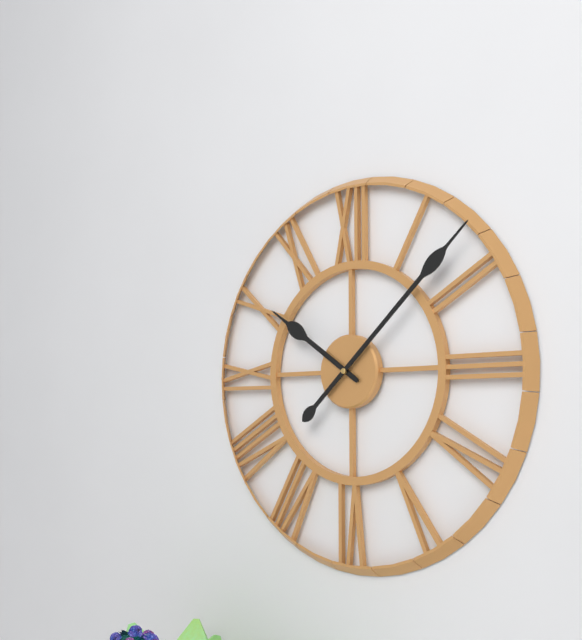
10:08
